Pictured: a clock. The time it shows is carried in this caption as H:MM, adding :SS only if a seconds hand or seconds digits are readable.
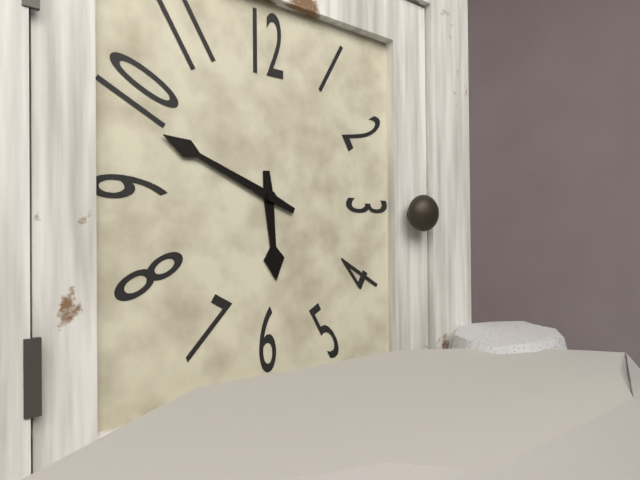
5:49
